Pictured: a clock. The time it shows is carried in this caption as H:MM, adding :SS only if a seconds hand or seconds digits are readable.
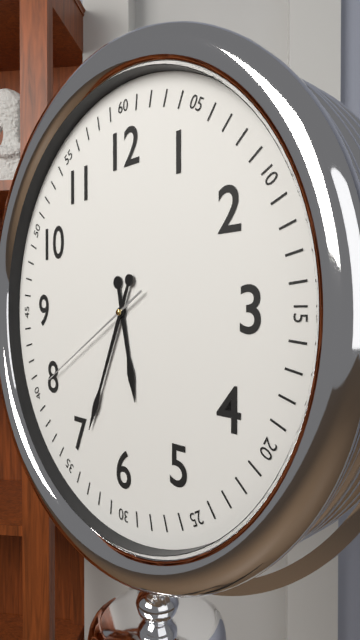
5:34:40
